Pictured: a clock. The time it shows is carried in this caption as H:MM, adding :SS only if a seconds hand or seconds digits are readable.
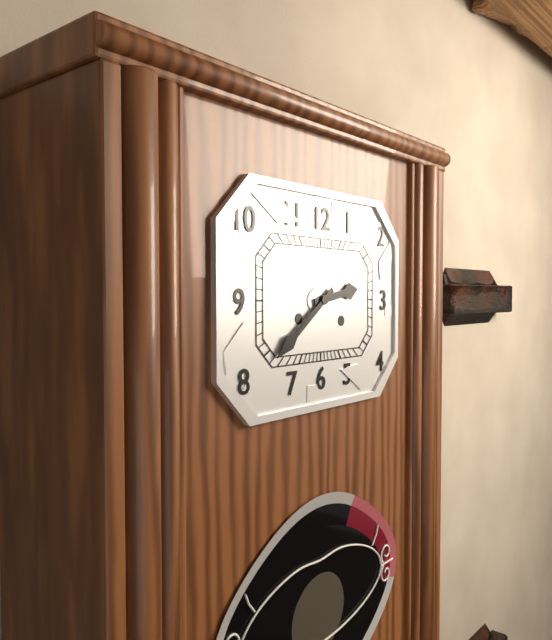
2:39
